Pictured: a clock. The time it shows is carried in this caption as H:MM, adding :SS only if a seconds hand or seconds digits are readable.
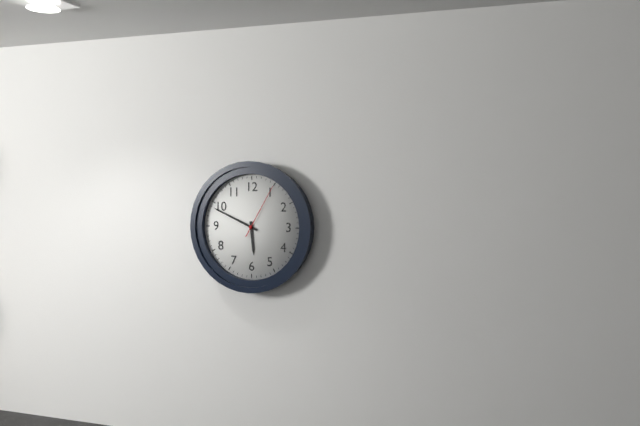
5:49:05
